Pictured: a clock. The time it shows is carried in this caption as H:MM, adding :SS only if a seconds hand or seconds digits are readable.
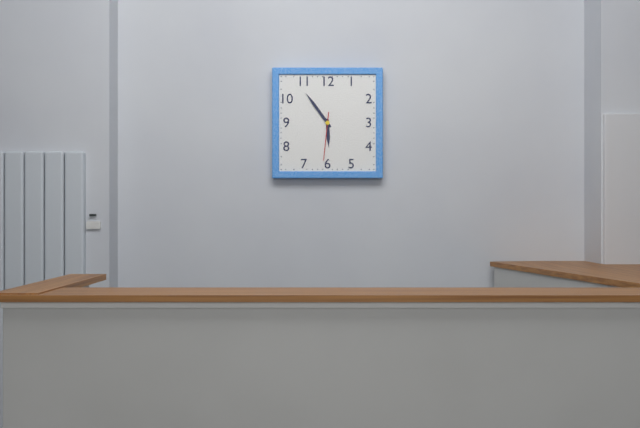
5:54
